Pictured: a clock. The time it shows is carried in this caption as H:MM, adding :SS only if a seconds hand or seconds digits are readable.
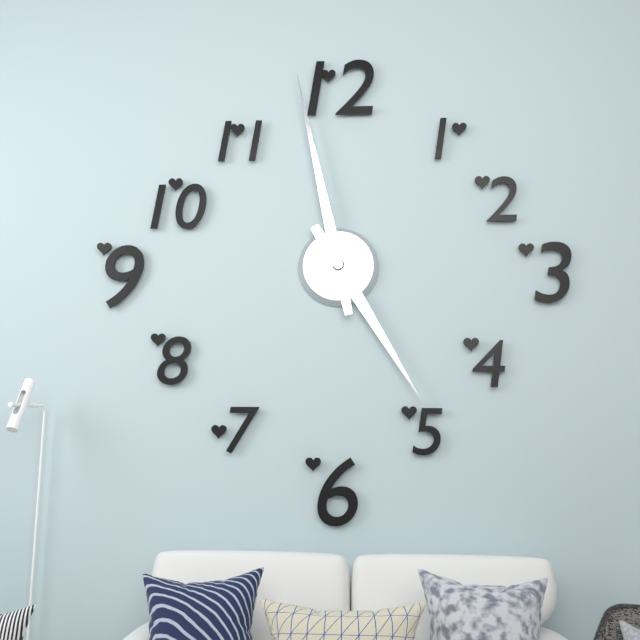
4:58
